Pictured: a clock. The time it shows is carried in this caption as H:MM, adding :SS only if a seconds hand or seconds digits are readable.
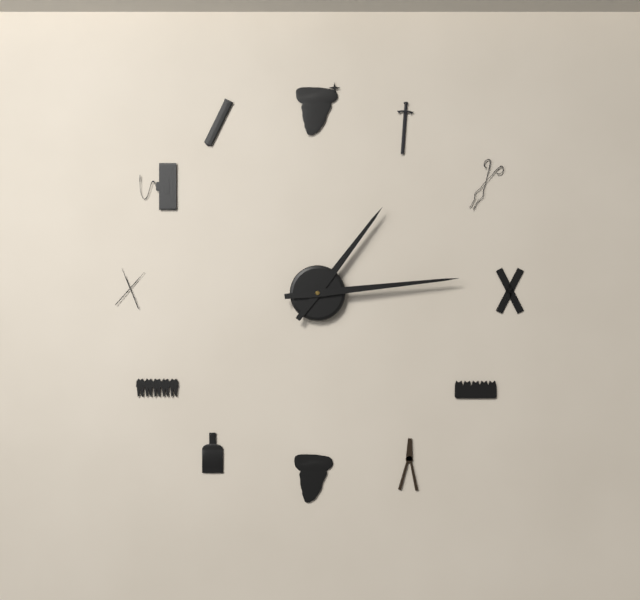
1:14
